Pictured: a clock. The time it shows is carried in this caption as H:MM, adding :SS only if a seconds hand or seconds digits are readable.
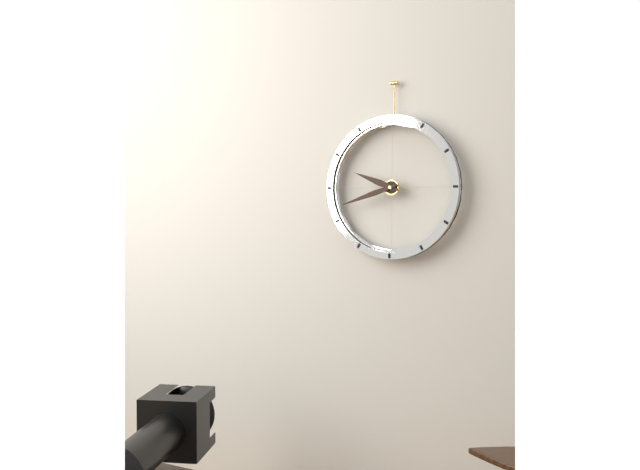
9:42
